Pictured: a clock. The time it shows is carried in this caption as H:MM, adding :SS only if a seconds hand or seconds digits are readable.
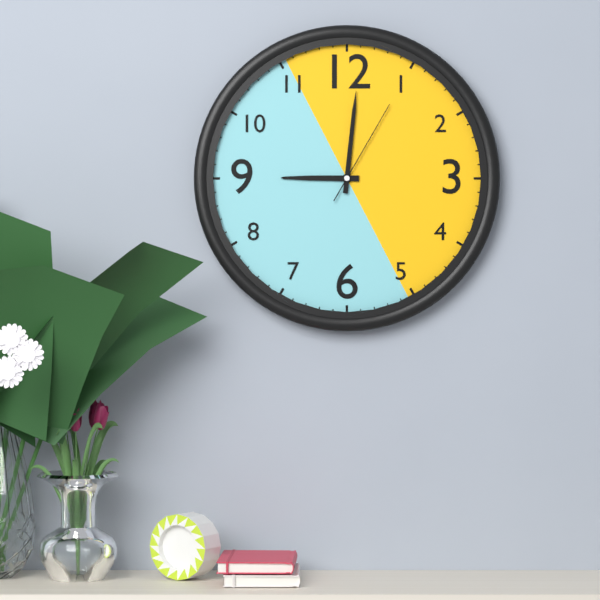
9:01:05
